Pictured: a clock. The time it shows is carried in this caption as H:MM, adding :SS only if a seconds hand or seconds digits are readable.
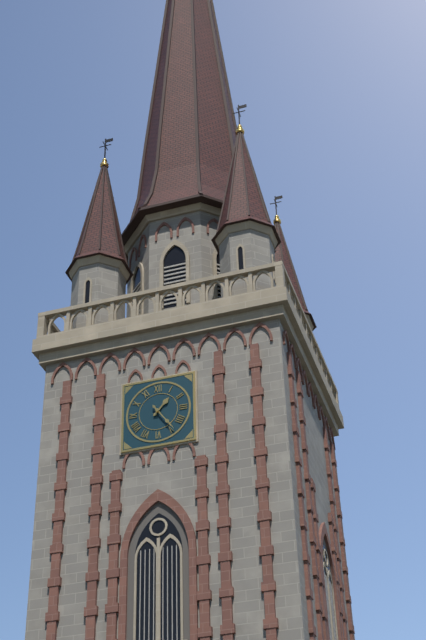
1:24
